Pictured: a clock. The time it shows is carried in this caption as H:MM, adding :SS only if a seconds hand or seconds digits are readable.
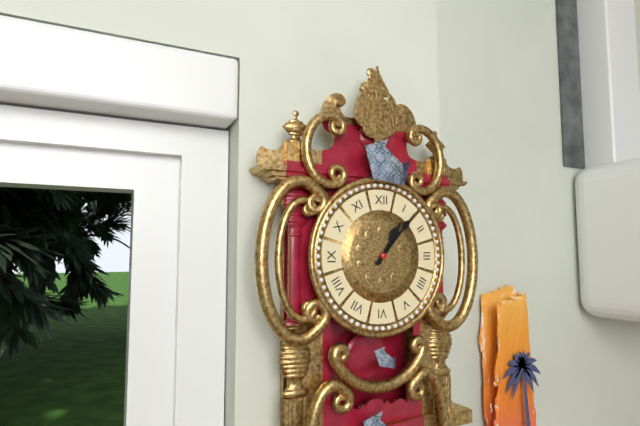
1:07
